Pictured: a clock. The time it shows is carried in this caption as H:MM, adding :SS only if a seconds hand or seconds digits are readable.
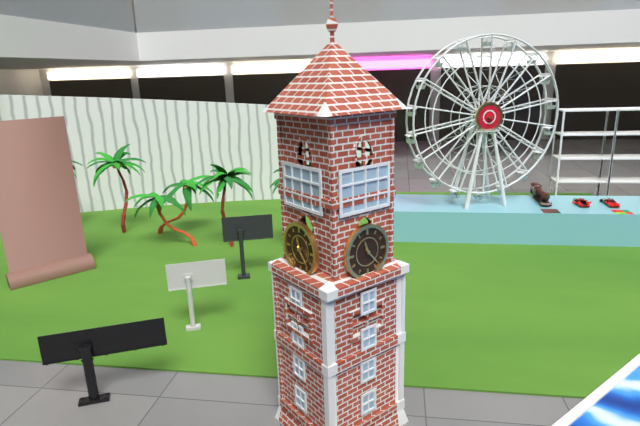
11:23
